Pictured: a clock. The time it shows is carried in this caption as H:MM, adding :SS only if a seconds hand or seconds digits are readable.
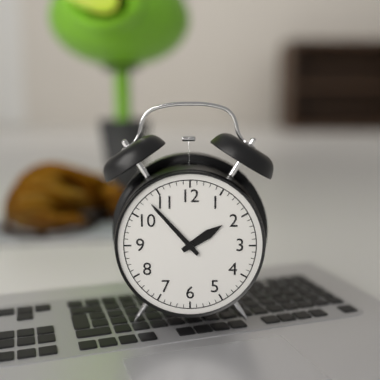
1:53
